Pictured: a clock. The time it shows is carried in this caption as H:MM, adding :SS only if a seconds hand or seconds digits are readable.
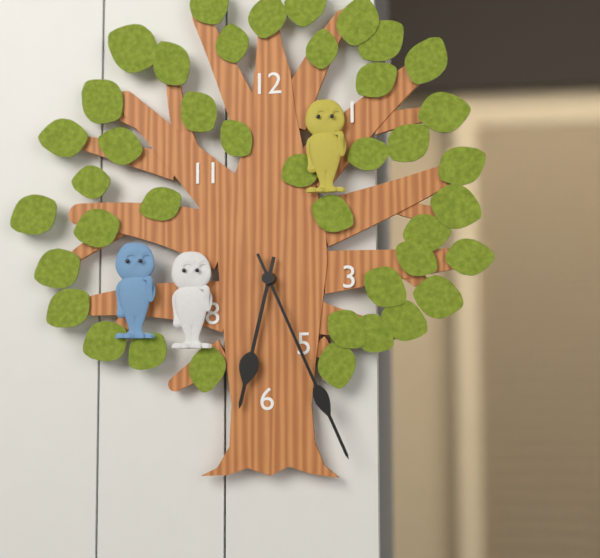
6:26
